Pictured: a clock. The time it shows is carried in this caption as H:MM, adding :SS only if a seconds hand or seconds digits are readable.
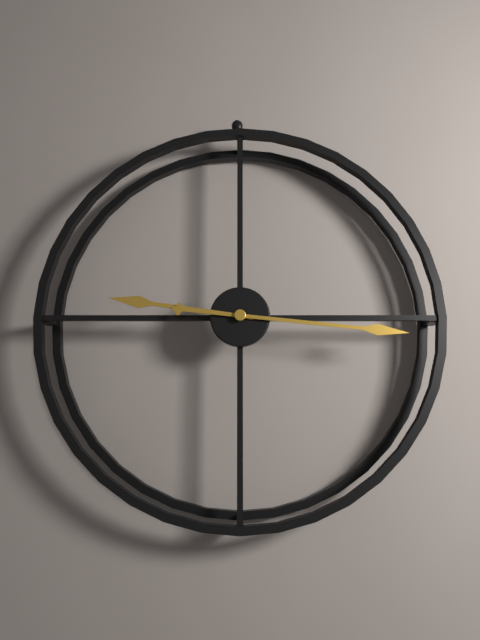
9:16
